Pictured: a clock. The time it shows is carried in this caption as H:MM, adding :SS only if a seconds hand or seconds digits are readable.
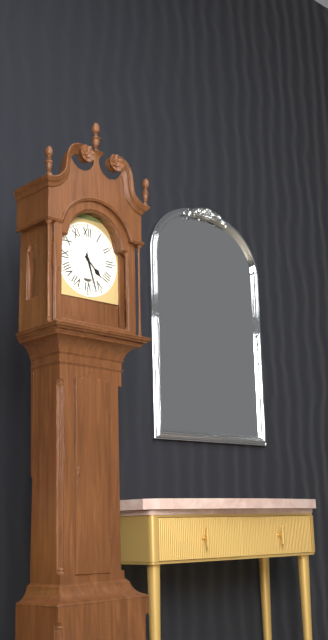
4:27
